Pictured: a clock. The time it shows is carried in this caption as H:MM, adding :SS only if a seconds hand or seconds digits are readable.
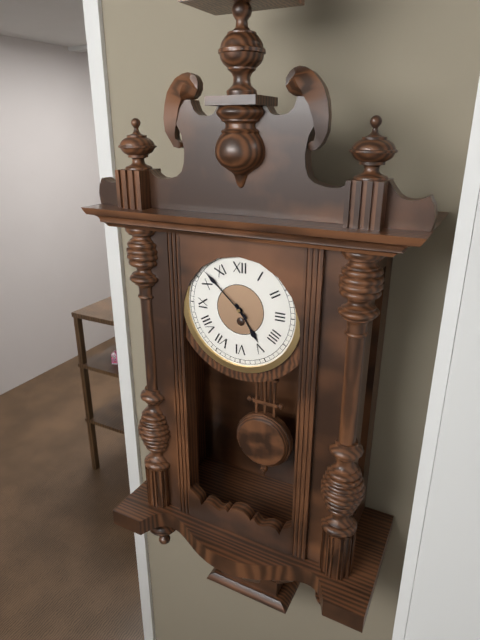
4:52
